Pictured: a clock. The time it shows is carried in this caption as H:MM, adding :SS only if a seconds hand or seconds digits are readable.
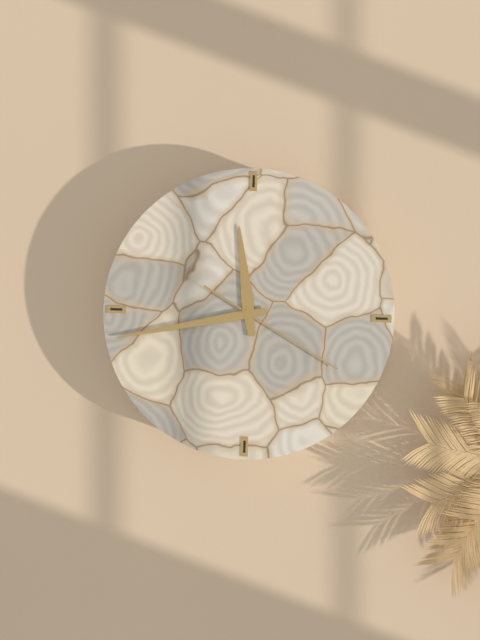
11:43:20
